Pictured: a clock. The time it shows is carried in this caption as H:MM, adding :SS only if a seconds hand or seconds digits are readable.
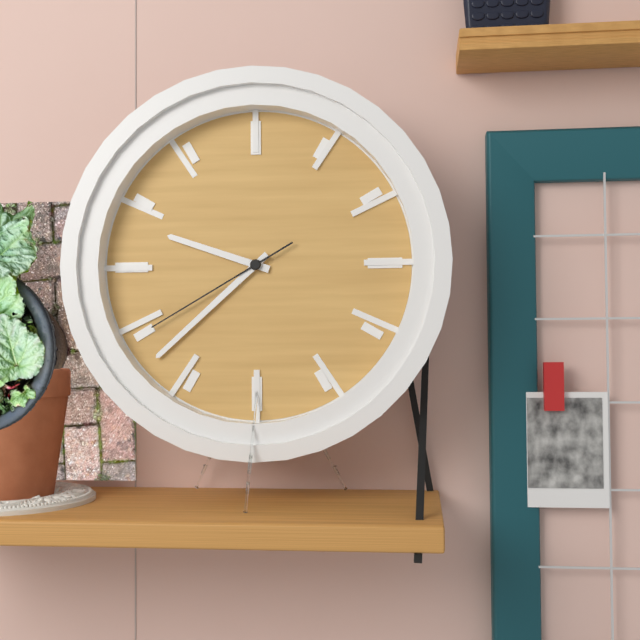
9:38:40
